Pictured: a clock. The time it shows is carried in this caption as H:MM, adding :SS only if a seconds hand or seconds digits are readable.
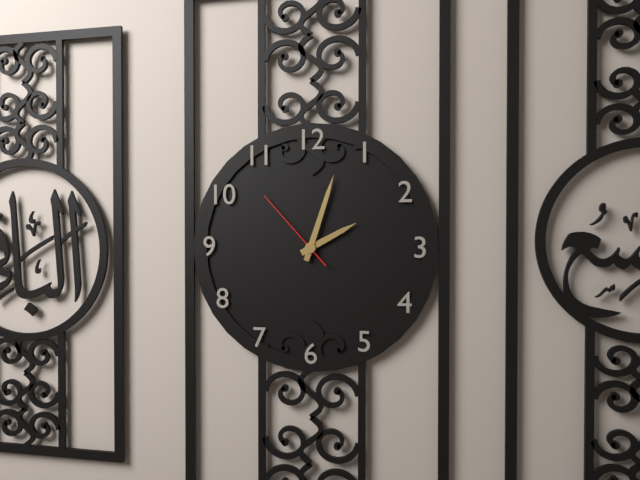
2:03:53
